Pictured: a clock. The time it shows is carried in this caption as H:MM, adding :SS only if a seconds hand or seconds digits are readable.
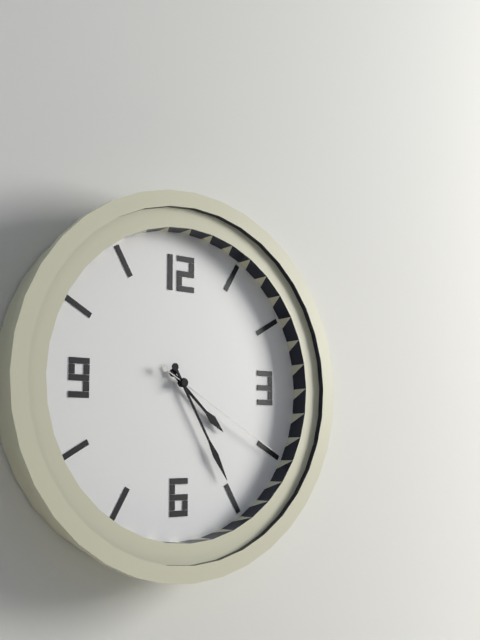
4:25:20
